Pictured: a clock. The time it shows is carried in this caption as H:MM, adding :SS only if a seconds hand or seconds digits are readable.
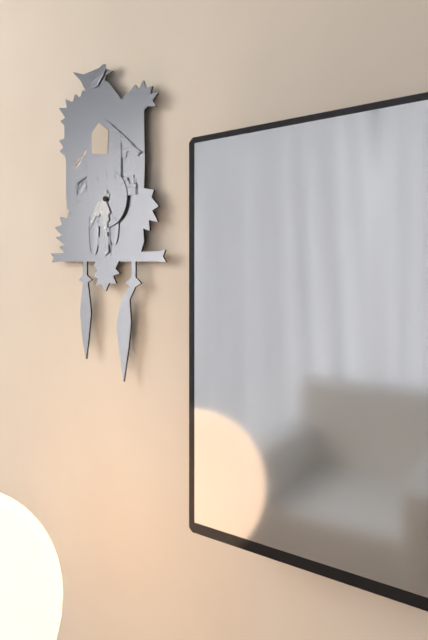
7:30
